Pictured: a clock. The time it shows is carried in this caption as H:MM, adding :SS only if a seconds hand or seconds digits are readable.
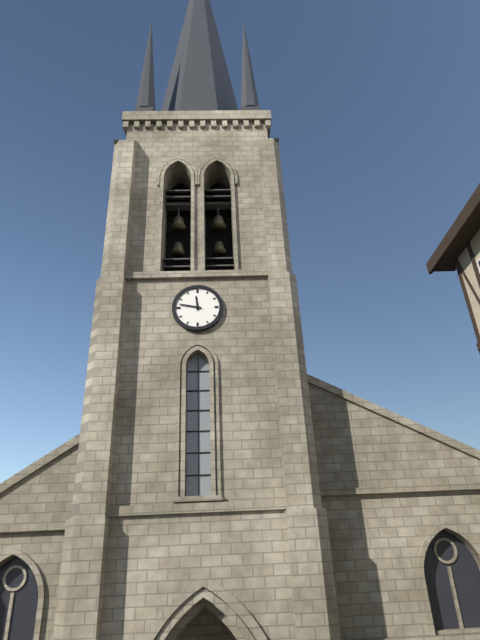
11:47
